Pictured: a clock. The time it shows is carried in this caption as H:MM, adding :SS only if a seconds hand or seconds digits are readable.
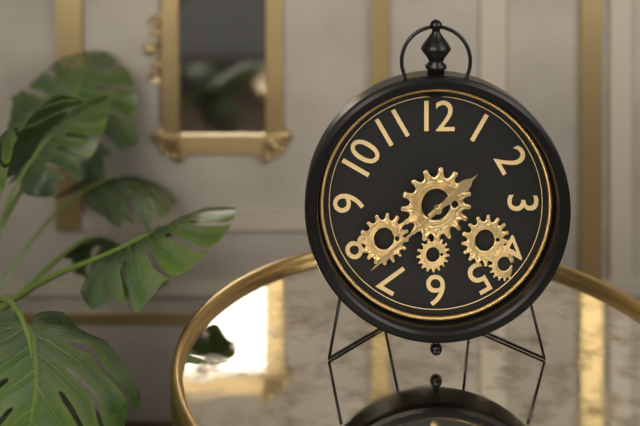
1:38
